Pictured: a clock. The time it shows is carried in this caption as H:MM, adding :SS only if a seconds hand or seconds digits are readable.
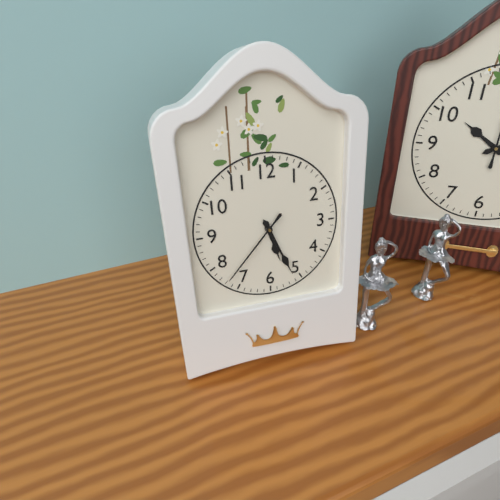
5:26:37
